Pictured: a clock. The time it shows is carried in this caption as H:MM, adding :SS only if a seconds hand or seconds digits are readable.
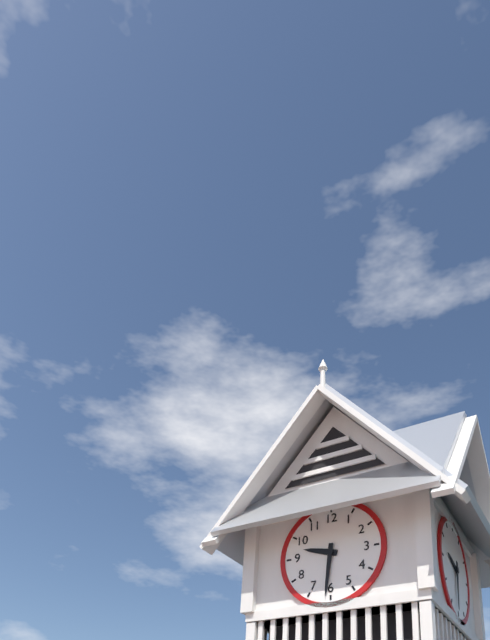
9:31
